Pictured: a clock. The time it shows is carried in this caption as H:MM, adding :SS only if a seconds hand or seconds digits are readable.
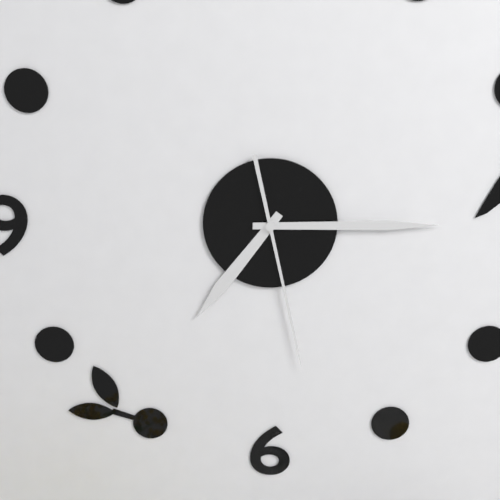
7:15:28
